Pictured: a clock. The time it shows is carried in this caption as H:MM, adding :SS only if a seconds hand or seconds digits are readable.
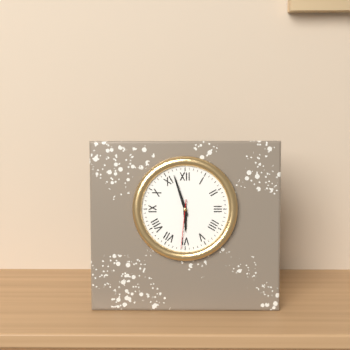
5:57:31
